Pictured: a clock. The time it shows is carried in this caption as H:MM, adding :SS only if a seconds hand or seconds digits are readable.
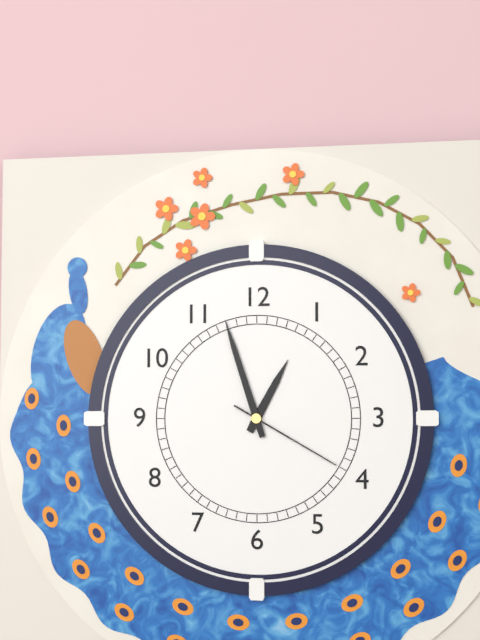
12:57:20
